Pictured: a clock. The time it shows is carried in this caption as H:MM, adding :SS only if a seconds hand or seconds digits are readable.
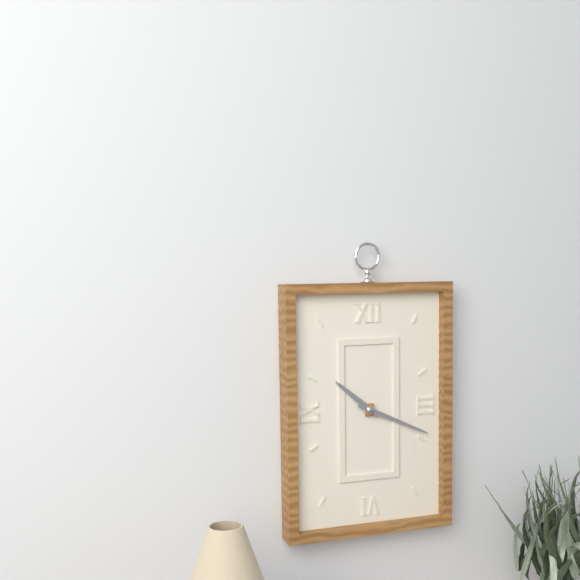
10:19
